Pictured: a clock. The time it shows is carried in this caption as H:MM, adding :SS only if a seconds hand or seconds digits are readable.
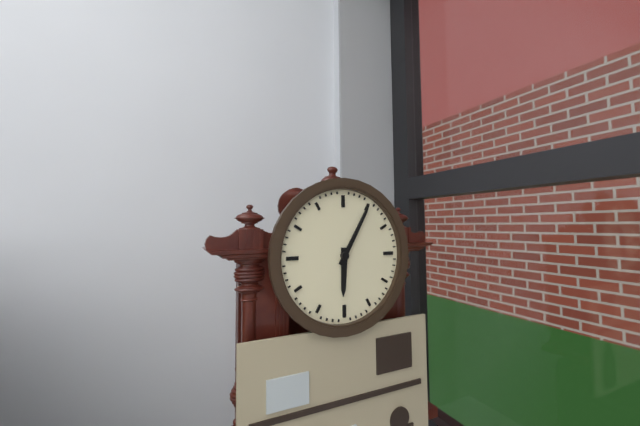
6:05
